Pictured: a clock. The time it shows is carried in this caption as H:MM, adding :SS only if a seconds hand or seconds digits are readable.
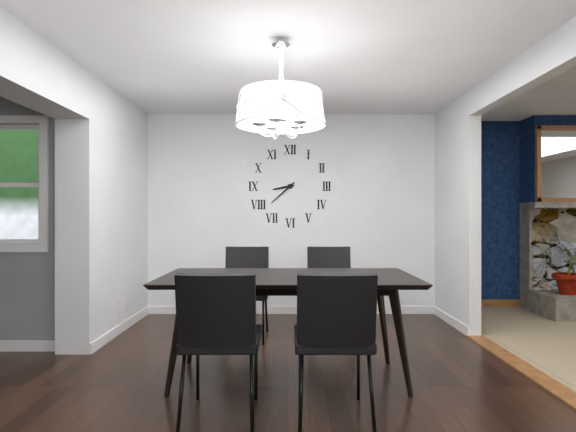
8:38
